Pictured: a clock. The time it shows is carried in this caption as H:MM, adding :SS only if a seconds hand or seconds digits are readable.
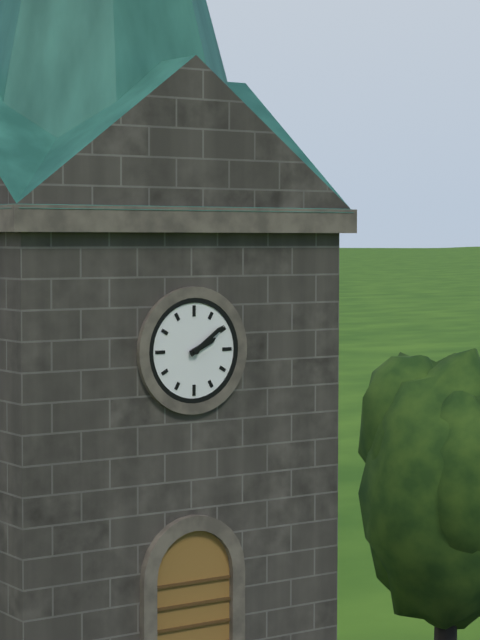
2:09
